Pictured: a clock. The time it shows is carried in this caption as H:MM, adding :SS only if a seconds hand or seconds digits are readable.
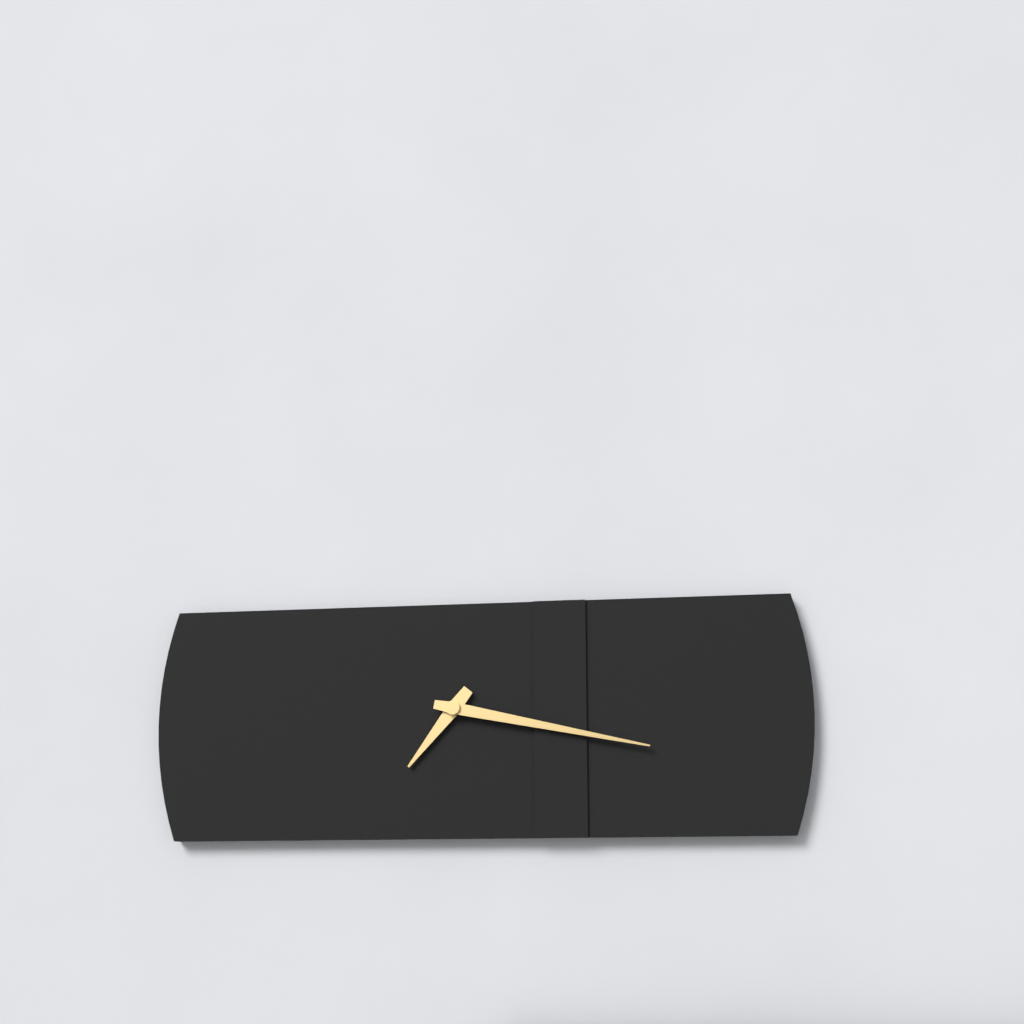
7:17
